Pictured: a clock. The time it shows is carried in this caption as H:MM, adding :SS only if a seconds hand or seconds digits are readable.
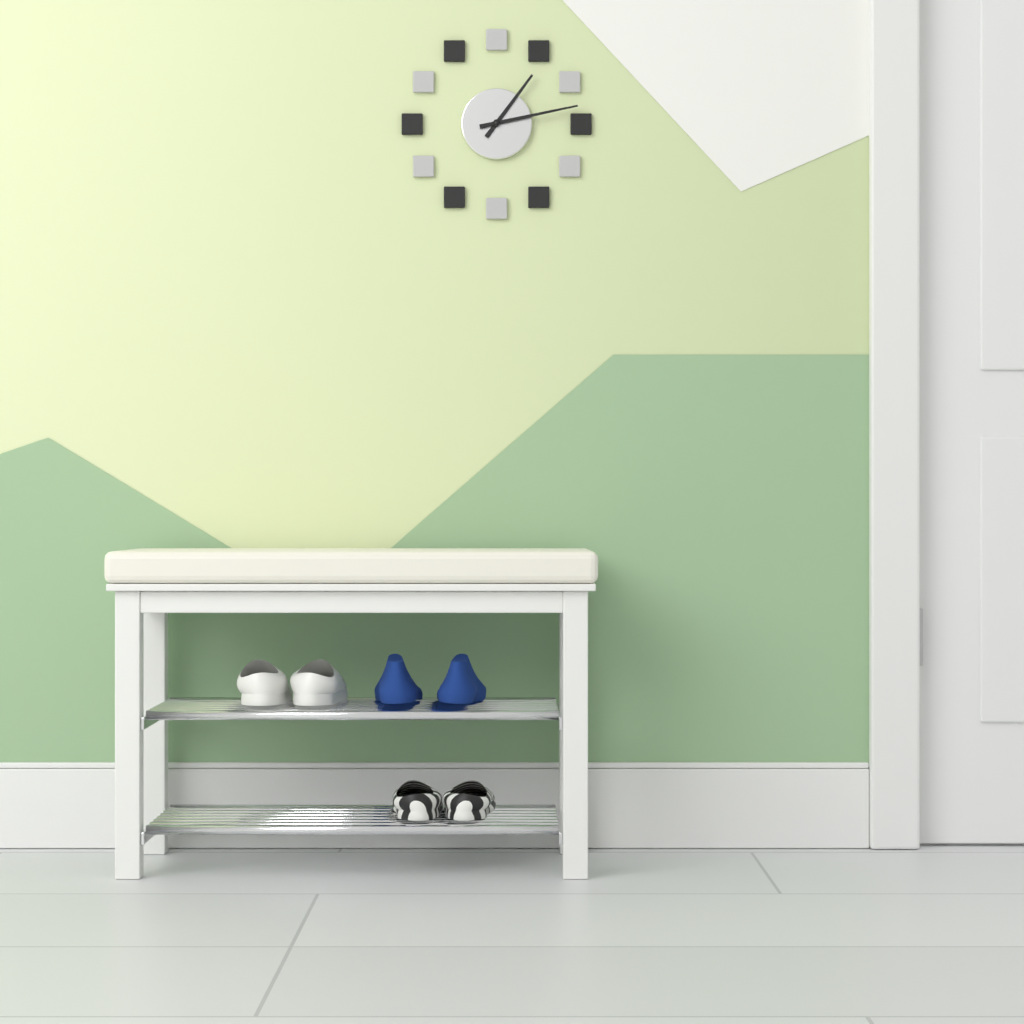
1:13
